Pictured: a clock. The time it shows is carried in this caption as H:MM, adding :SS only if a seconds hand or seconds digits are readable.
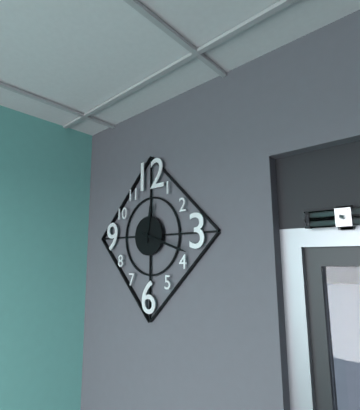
12:18
